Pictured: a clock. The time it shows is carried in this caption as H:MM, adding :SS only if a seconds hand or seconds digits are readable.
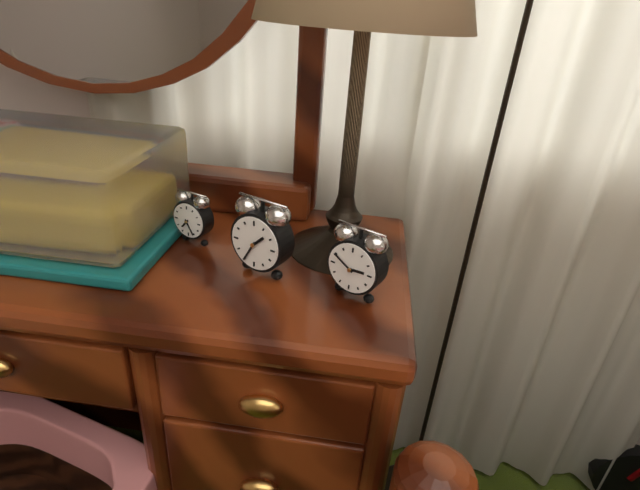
1:35
